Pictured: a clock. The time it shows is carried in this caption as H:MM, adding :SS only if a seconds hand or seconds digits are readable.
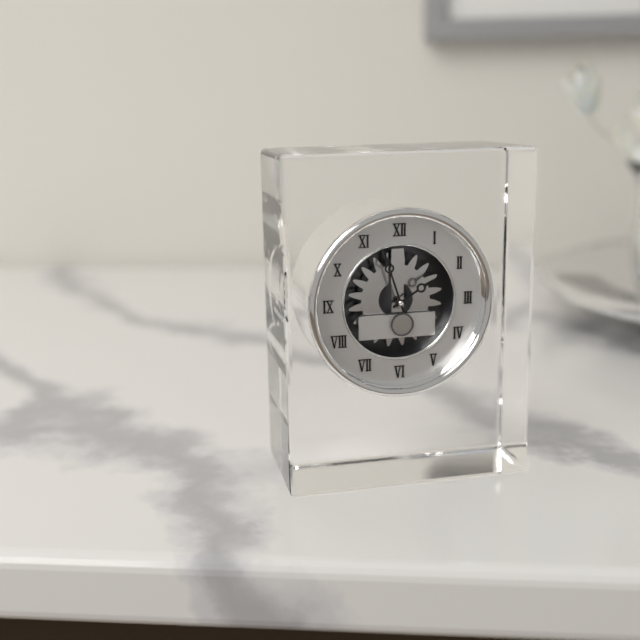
1:57
